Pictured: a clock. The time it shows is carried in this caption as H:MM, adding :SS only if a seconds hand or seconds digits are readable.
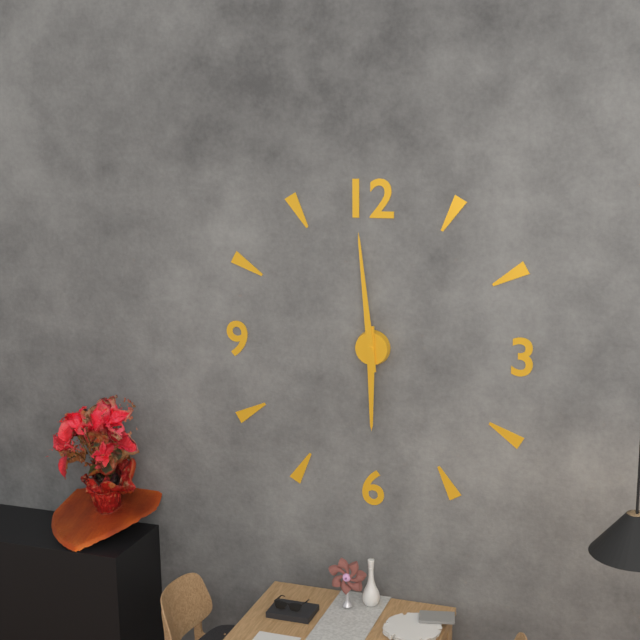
5:59
